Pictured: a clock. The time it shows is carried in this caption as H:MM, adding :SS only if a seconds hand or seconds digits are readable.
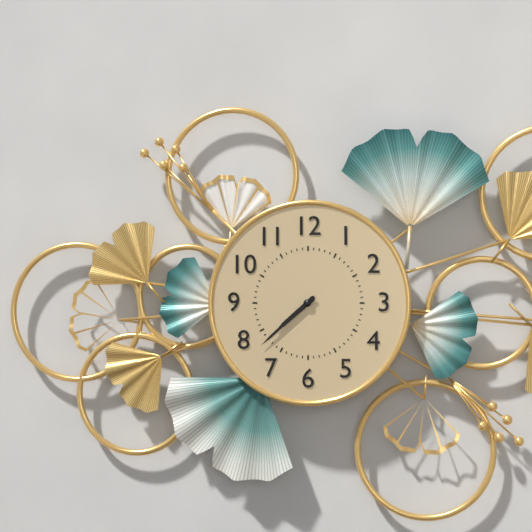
7:38
